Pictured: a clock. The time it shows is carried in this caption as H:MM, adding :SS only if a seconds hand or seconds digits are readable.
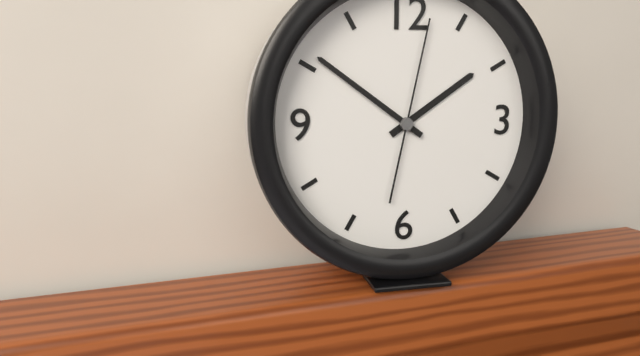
1:51:02
